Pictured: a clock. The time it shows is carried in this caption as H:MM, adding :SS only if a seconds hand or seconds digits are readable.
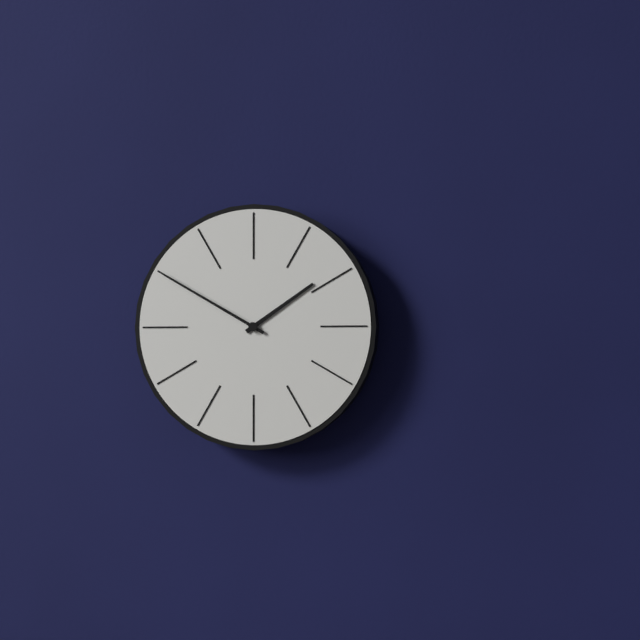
1:50
